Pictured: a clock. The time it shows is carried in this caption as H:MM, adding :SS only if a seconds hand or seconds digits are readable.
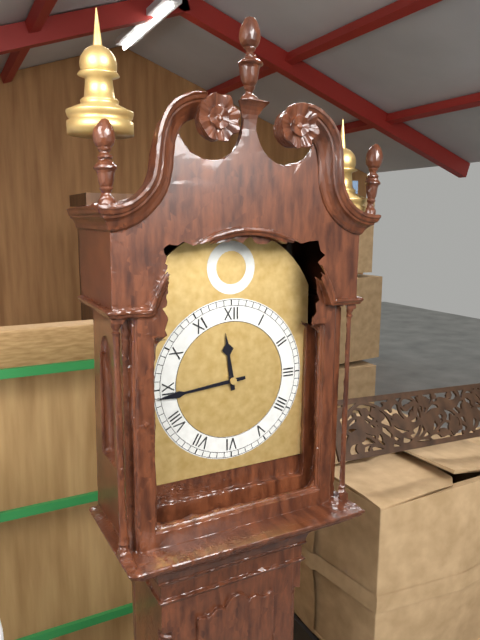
11:44
